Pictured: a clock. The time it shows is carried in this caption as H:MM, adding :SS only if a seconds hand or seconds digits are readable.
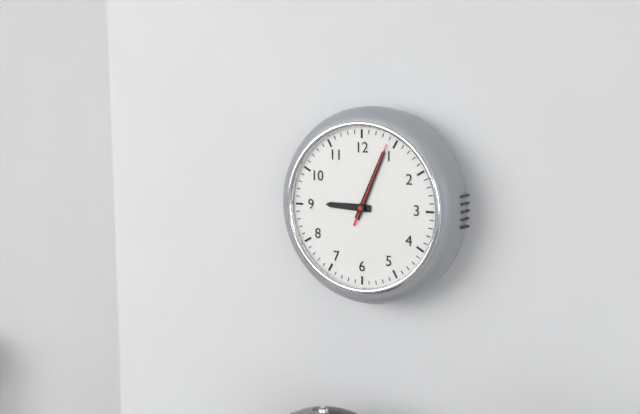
9:04:04
